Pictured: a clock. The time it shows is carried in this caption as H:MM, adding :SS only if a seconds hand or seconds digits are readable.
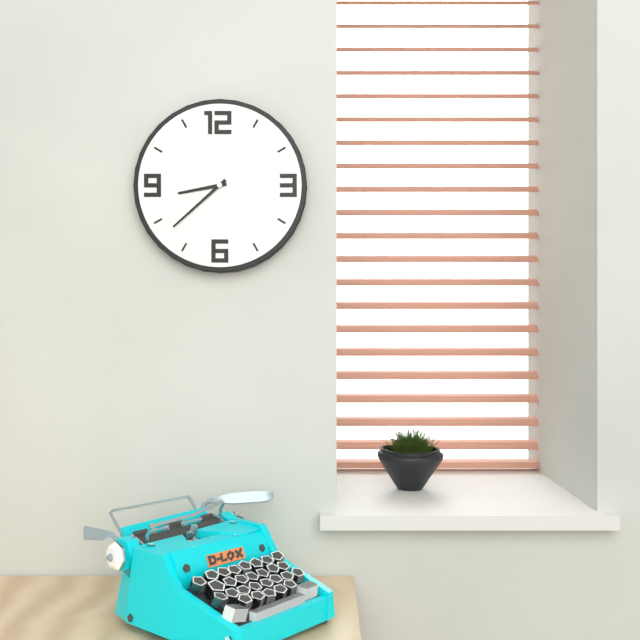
8:38
